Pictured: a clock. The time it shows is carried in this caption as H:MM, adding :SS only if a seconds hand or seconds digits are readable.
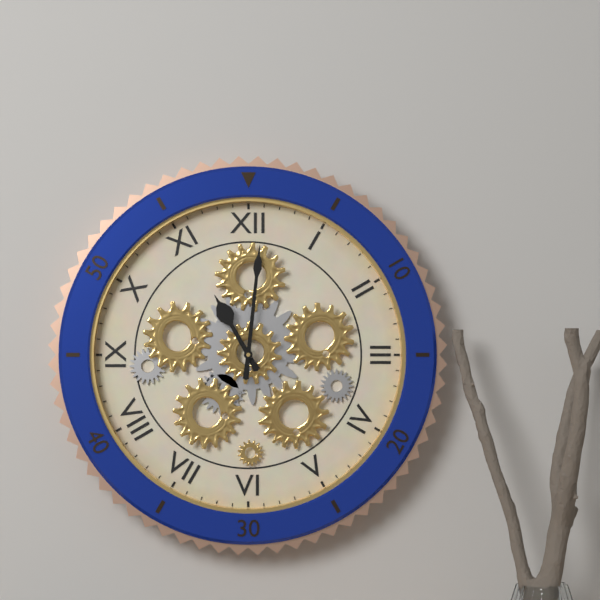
11:01
